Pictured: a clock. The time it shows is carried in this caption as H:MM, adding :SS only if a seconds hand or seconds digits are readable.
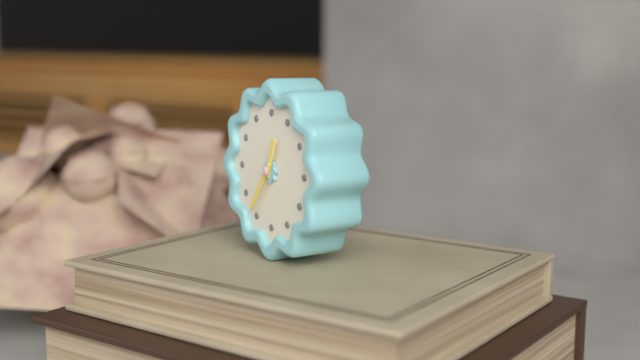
12:36
